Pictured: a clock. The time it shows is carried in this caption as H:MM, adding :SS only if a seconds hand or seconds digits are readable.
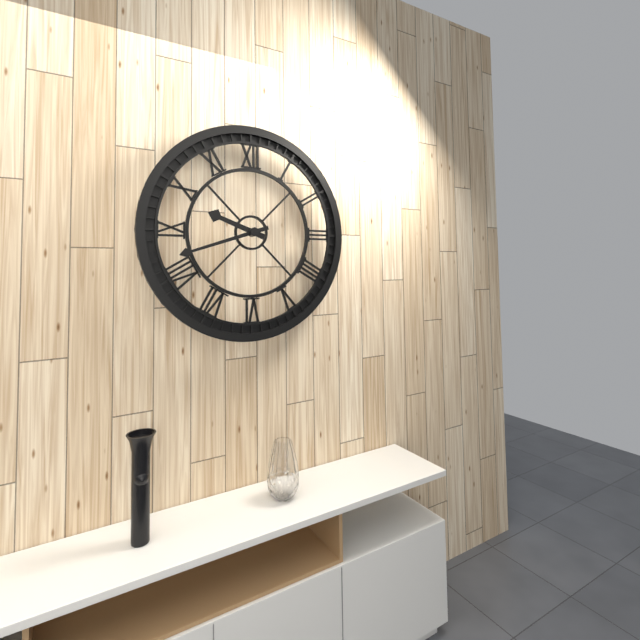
9:42
